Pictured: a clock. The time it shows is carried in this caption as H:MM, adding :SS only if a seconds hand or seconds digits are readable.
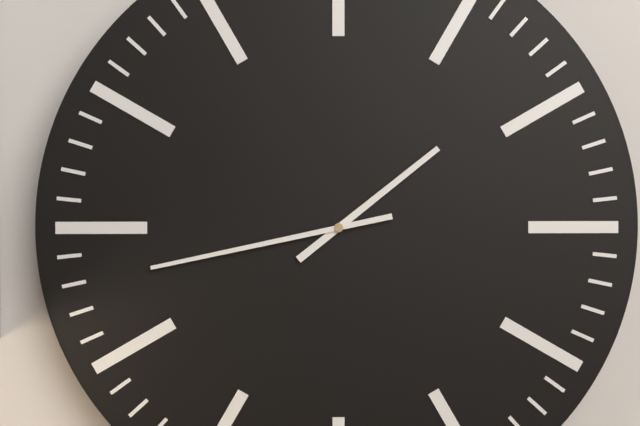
1:43
